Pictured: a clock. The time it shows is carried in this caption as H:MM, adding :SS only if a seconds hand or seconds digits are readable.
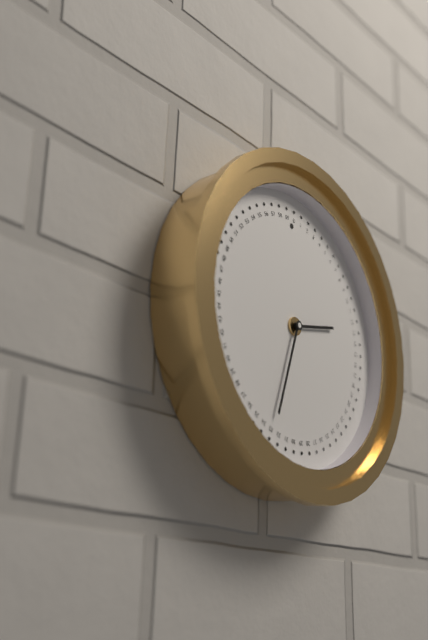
2:33
